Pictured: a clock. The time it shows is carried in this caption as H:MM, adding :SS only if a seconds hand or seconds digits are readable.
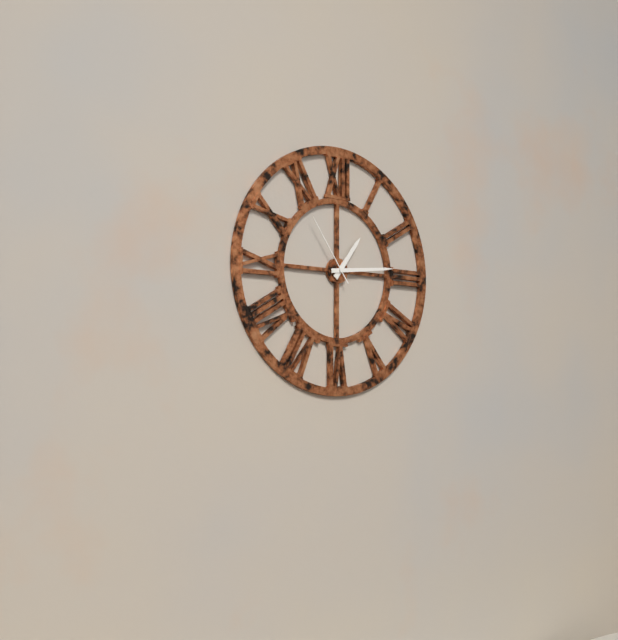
1:14:54
